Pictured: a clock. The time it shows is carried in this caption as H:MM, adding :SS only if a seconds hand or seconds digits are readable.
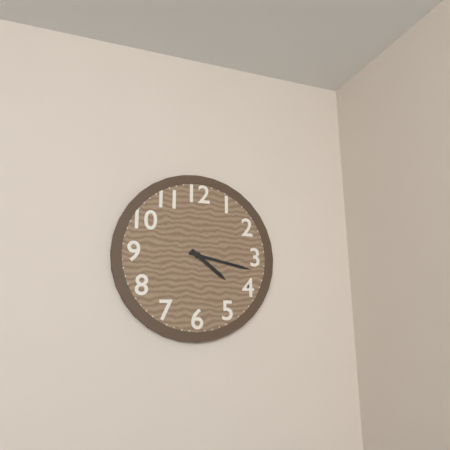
4:17
